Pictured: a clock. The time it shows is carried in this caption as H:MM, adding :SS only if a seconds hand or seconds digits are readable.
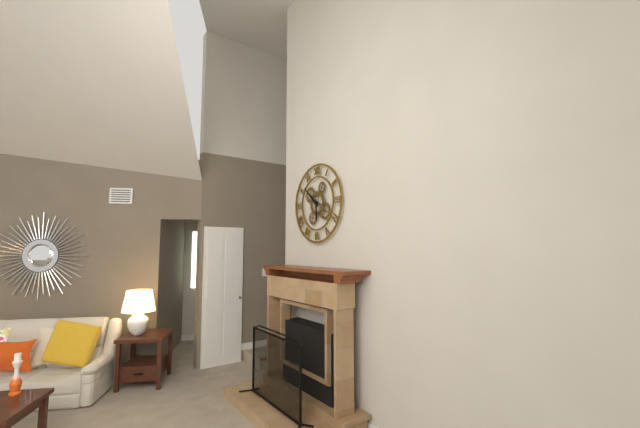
5:52
